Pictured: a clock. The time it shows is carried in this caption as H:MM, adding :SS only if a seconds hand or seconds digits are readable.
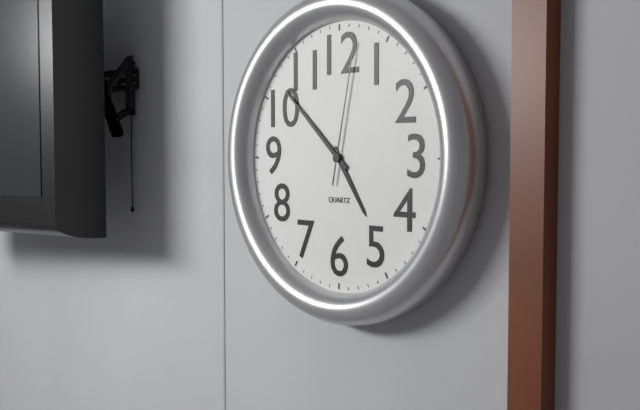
4:52:02
